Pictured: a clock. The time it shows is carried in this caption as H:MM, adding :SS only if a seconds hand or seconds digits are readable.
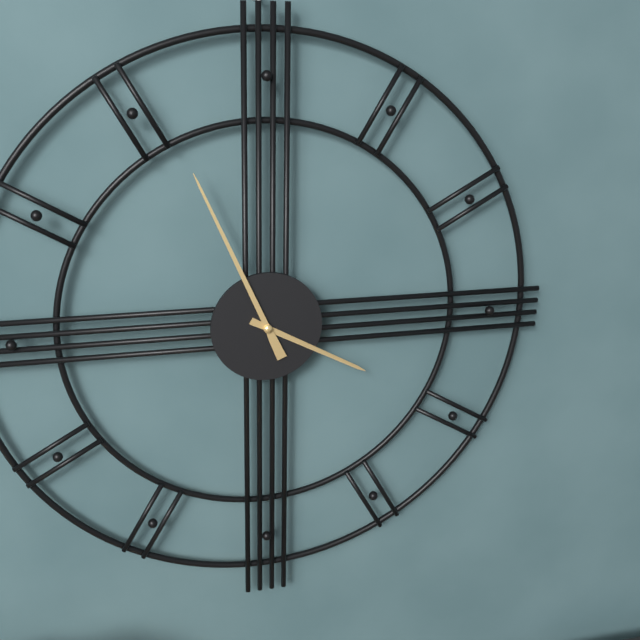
3:56
